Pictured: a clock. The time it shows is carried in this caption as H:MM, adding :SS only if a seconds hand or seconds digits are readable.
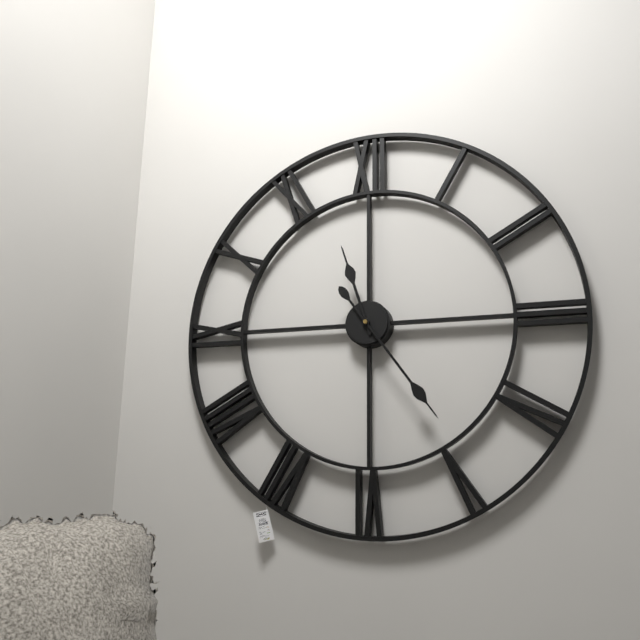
11:24
